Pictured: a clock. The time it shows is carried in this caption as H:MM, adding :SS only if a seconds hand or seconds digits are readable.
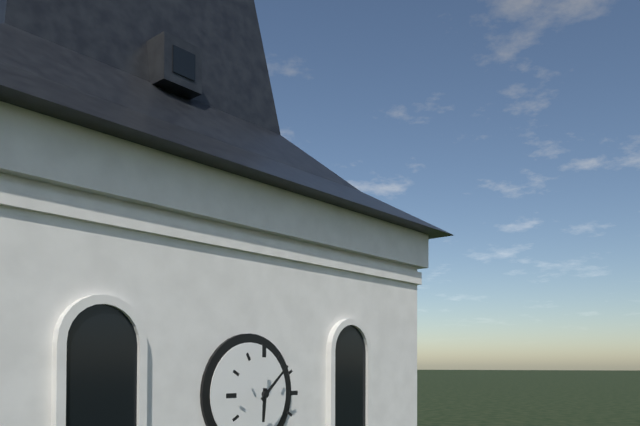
6:08
